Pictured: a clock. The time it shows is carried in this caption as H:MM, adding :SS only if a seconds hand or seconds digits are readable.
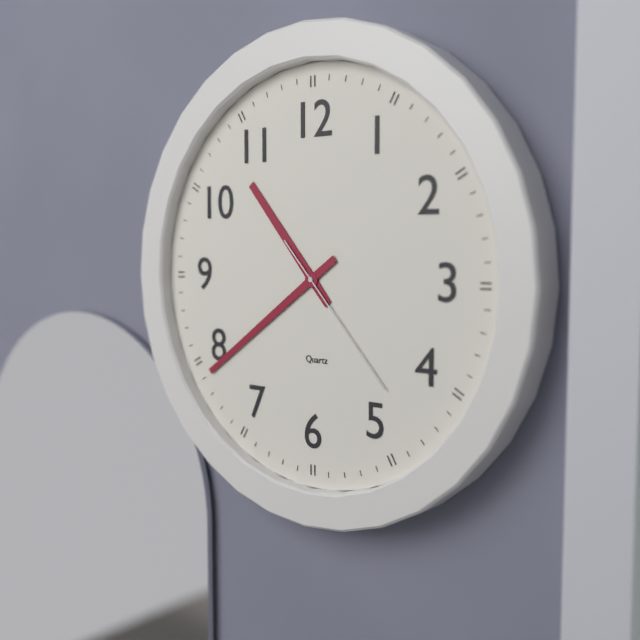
10:39:23
